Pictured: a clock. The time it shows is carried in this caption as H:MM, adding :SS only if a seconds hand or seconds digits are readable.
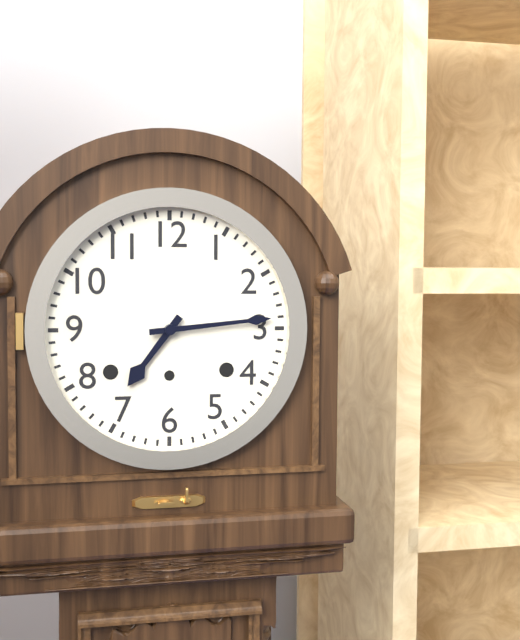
7:14
